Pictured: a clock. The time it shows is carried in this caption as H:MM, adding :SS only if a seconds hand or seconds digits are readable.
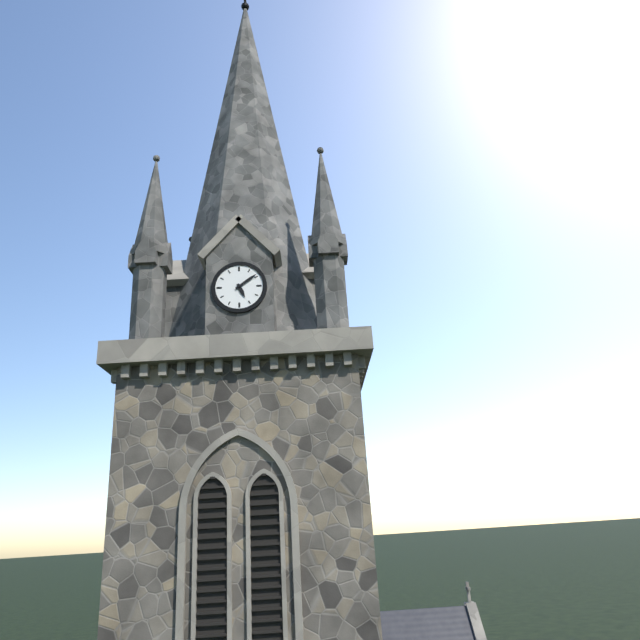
5:09
